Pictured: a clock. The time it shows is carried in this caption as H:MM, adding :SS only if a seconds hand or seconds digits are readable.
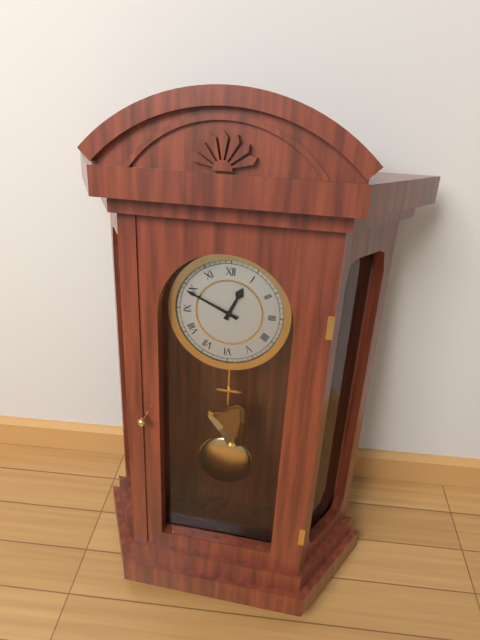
12:49
